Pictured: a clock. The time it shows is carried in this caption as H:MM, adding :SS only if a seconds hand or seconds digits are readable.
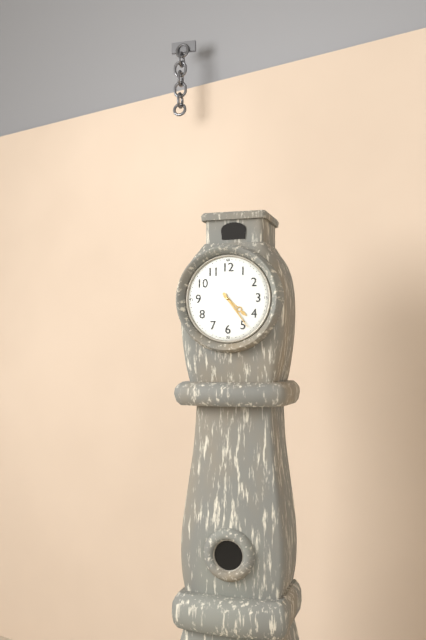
4:24
